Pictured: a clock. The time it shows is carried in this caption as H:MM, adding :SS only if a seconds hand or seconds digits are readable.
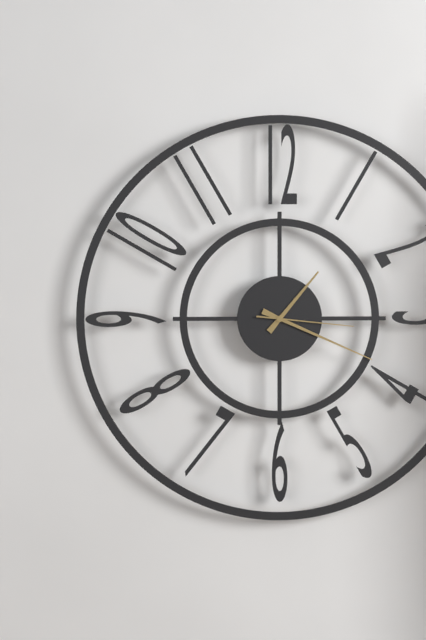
1:19:16
